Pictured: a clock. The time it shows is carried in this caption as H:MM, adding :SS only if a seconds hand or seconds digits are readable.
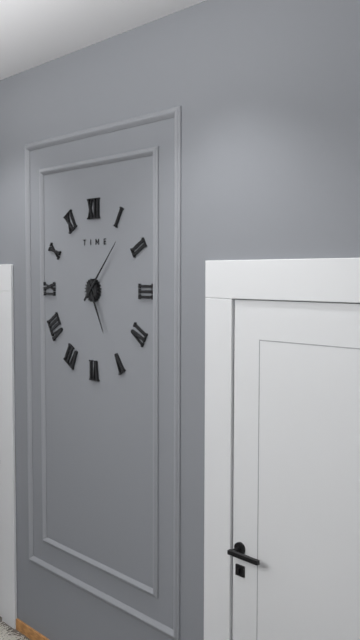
5:07
